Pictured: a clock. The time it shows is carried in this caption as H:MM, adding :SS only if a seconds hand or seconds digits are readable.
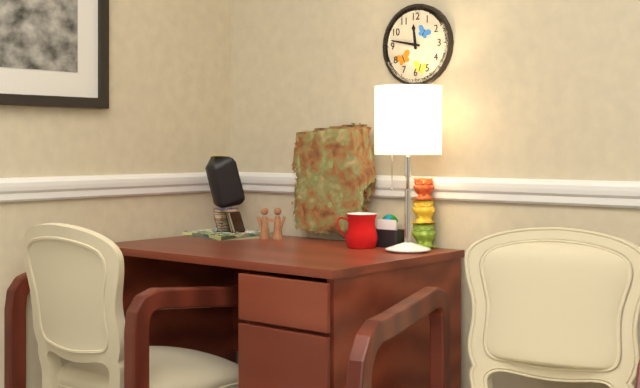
11:47
